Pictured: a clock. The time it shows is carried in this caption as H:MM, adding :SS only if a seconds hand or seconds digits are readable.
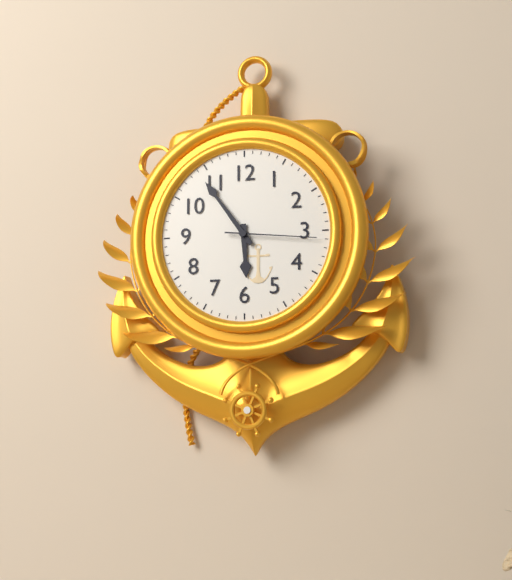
5:54:16
